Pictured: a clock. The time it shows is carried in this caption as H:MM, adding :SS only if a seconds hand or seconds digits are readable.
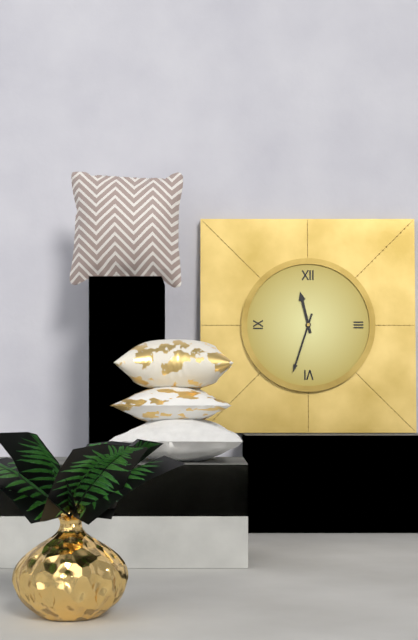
11:33
